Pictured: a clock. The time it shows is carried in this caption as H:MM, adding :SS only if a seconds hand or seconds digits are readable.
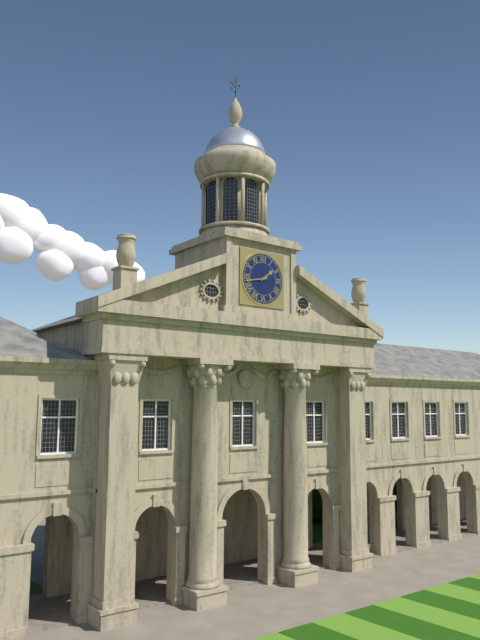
1:43
